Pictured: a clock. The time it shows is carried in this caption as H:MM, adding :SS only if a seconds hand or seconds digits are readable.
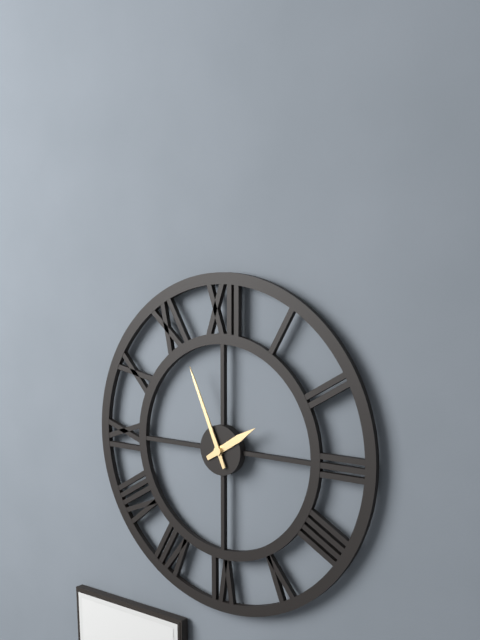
1:56
